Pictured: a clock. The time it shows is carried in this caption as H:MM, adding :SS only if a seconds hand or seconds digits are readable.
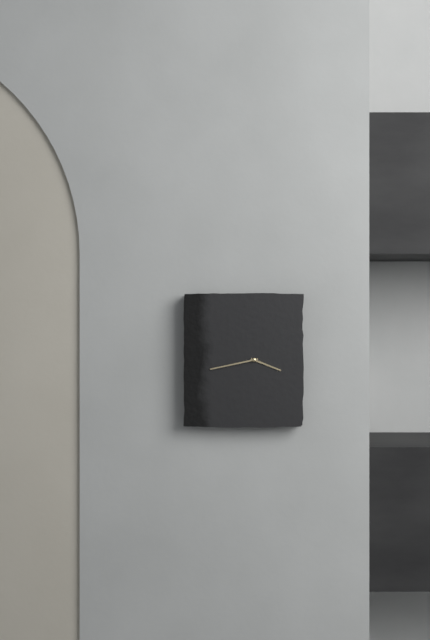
3:43
